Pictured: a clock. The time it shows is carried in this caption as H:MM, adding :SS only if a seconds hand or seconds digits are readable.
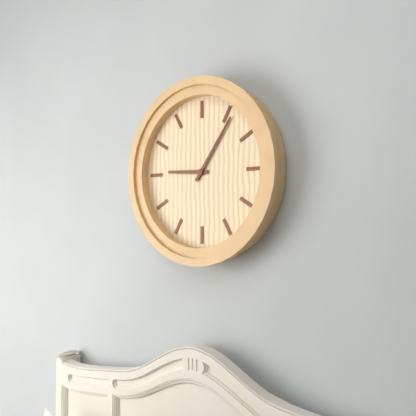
9:06
